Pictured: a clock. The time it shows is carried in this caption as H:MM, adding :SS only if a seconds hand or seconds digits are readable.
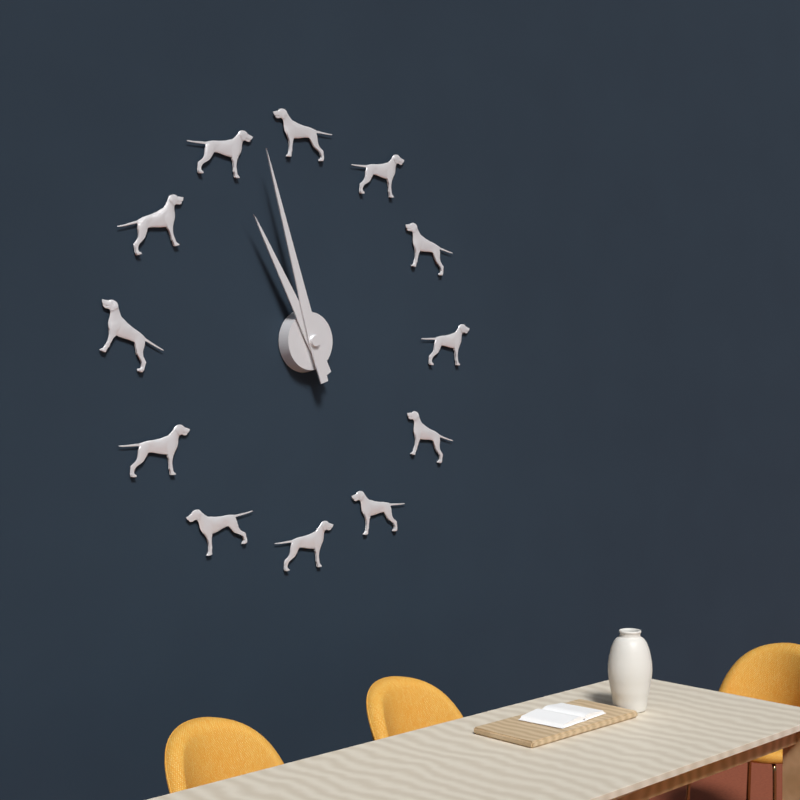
10:57
